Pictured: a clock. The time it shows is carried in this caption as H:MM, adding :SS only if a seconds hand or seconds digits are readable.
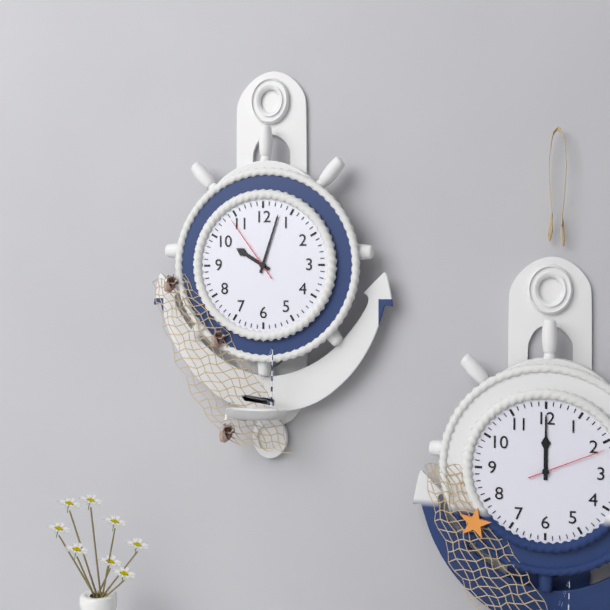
10:03:54
